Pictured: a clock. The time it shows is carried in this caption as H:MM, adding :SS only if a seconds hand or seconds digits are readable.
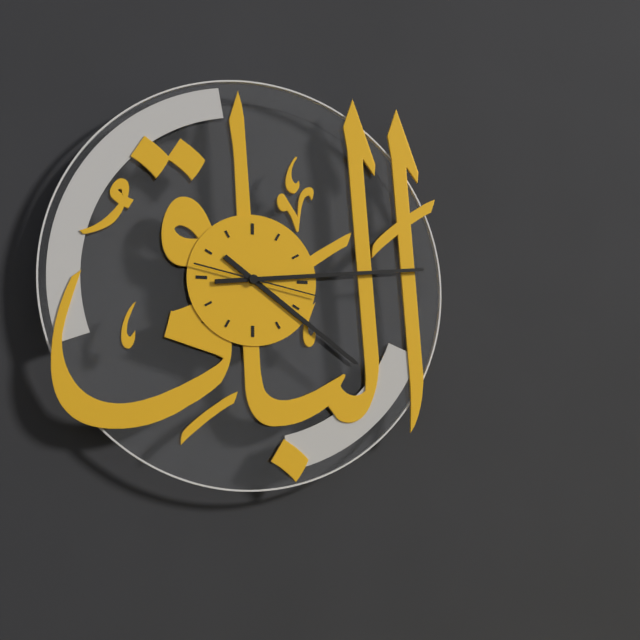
4:14:17
